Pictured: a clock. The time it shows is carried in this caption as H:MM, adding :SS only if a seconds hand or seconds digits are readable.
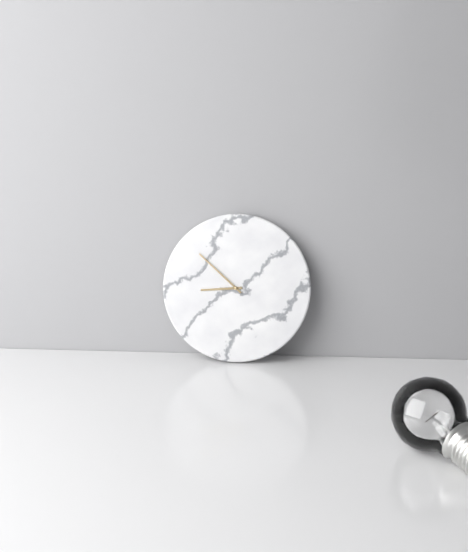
8:52
